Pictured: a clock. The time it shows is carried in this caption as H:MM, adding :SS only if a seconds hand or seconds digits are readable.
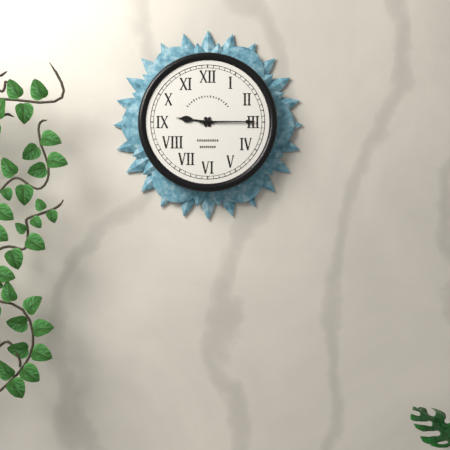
9:15
